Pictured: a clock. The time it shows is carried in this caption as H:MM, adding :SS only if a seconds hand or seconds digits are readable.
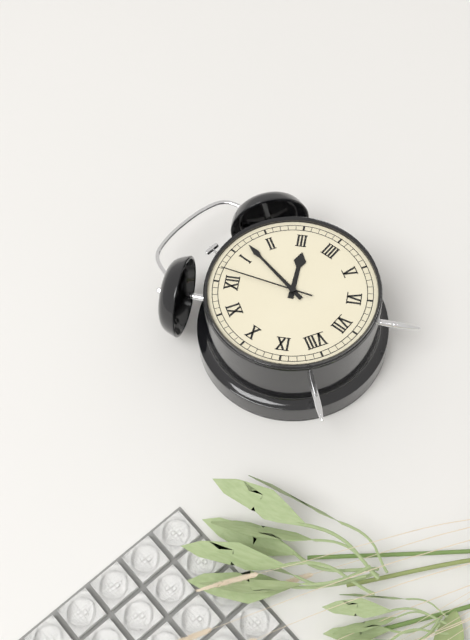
3:07:02
